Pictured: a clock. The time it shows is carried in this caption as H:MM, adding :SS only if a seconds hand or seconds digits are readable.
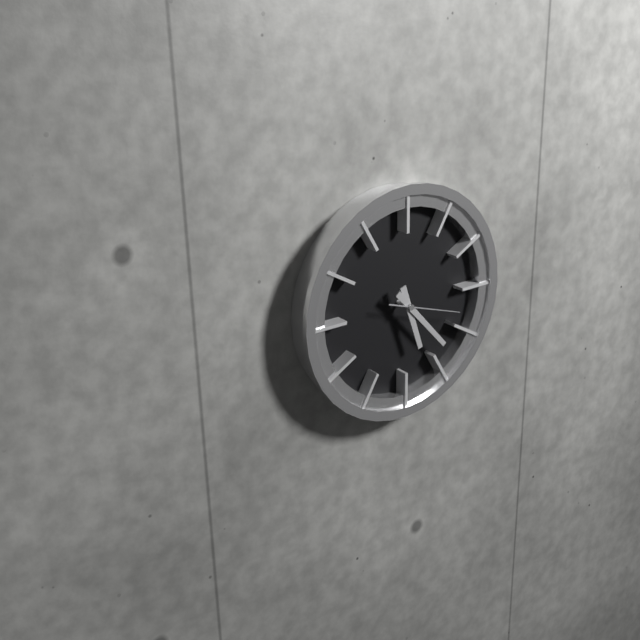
5:23:18
